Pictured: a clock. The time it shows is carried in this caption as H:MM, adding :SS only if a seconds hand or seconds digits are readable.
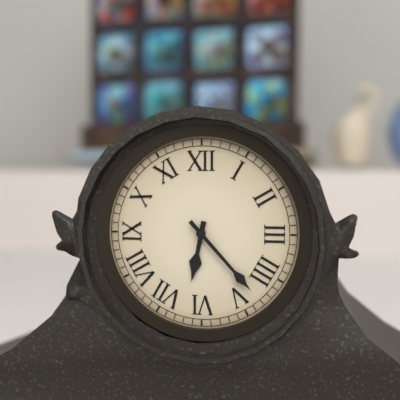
6:23
